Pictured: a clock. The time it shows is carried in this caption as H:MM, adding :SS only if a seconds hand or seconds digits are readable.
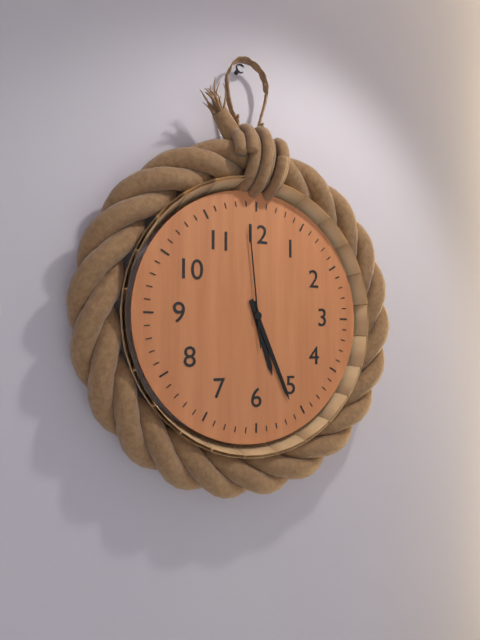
5:26:59
